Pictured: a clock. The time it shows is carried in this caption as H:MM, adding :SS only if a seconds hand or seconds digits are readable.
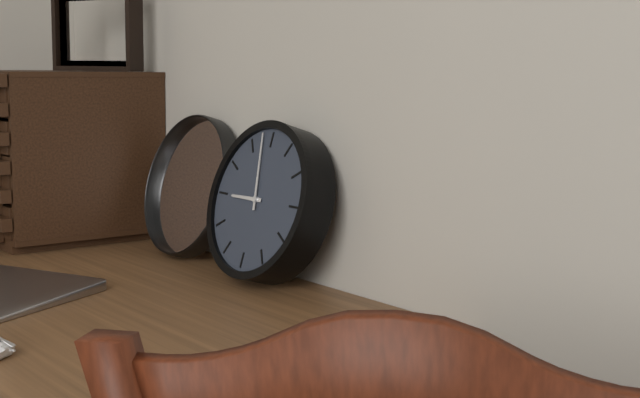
8:58
